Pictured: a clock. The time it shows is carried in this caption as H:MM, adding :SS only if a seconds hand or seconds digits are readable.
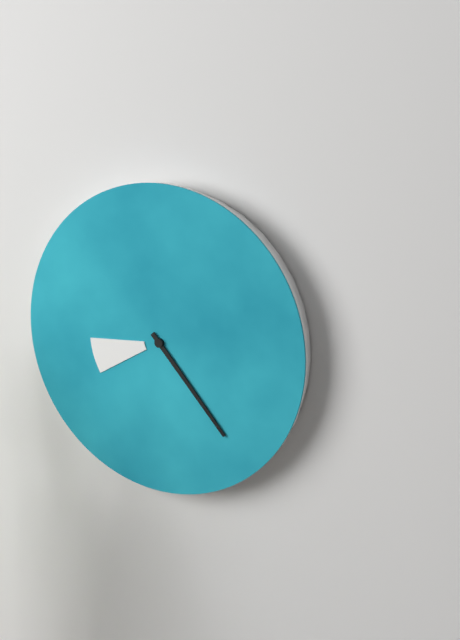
8:23
